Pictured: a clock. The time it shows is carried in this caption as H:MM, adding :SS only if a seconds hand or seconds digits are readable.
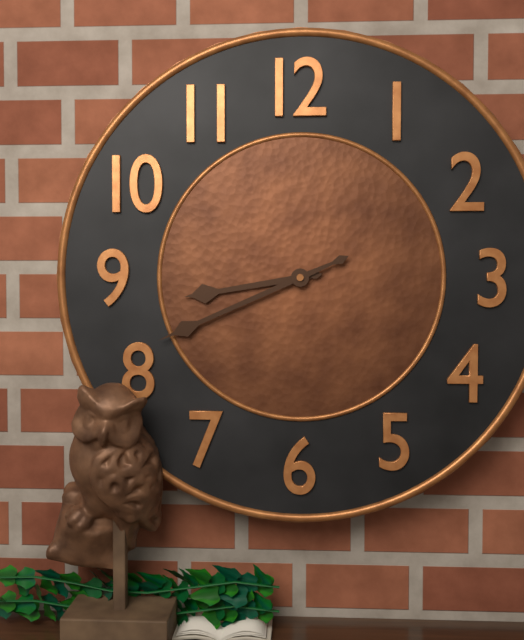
8:41
